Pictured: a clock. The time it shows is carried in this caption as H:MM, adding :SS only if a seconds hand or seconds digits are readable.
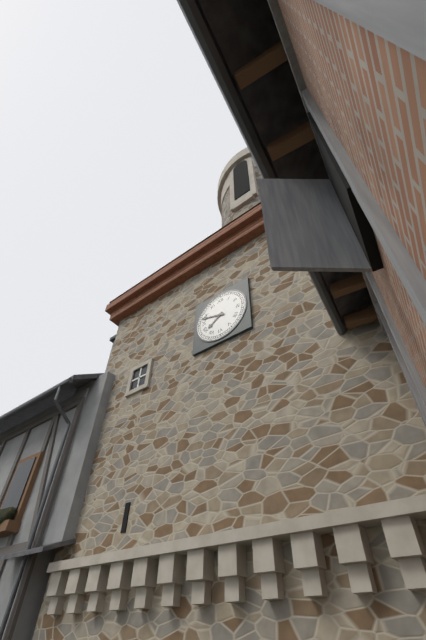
7:48
